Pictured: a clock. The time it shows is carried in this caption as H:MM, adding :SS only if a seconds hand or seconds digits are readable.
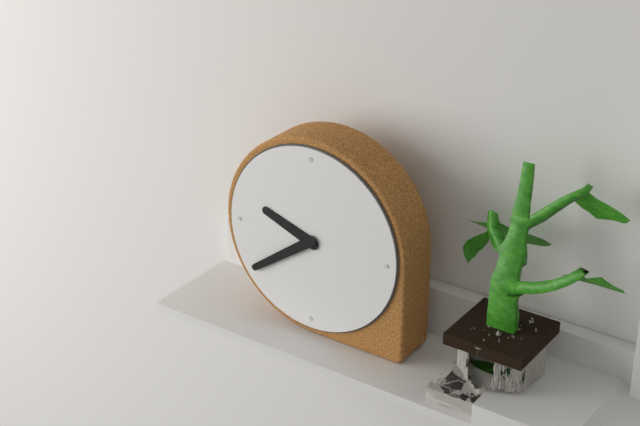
9:39
